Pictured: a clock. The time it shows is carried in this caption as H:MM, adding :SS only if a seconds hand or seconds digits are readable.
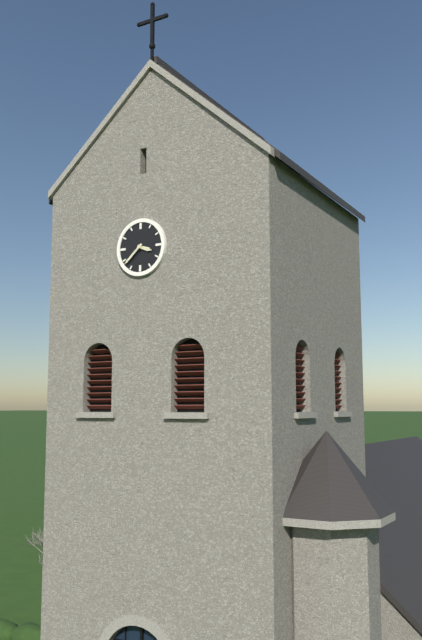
3:38
